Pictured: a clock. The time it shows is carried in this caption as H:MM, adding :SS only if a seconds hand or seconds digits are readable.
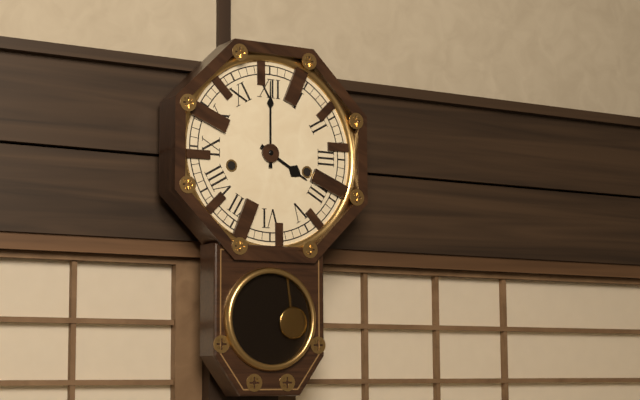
4:00
